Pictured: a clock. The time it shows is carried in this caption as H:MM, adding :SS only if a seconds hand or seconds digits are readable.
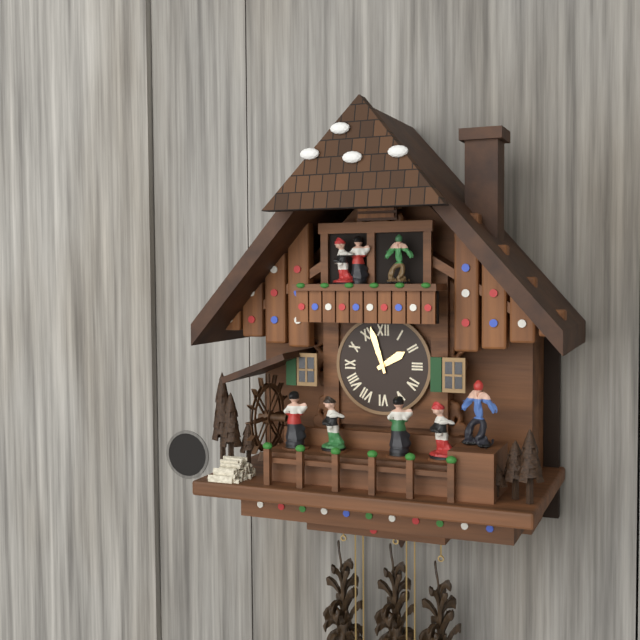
1:57
